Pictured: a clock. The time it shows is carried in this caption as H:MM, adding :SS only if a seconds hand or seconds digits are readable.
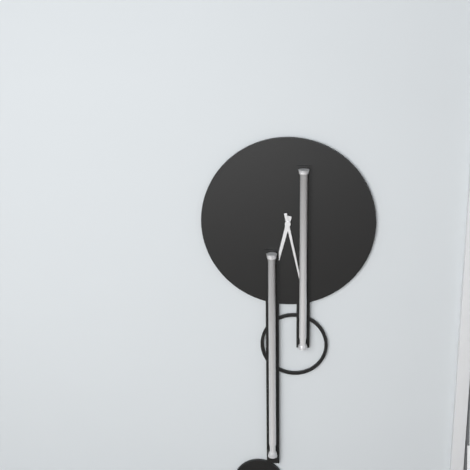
6:28
